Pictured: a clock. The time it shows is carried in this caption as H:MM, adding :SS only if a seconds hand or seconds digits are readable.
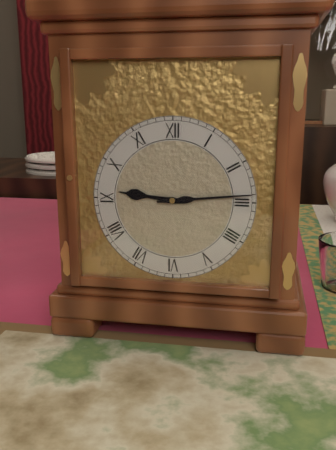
9:14
